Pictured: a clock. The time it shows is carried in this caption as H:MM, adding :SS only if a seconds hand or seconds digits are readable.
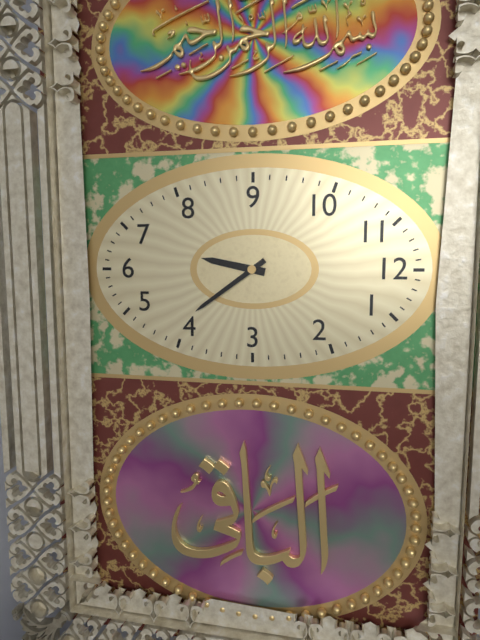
6:24
